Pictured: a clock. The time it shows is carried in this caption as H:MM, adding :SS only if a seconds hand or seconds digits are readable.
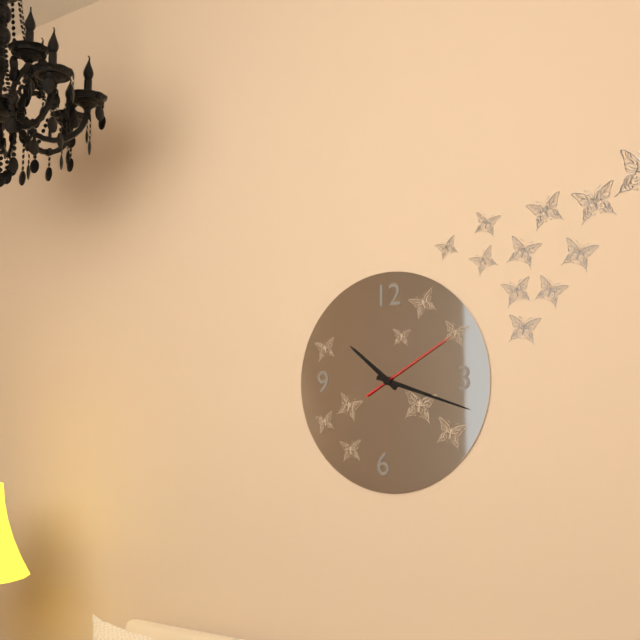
10:18:10
